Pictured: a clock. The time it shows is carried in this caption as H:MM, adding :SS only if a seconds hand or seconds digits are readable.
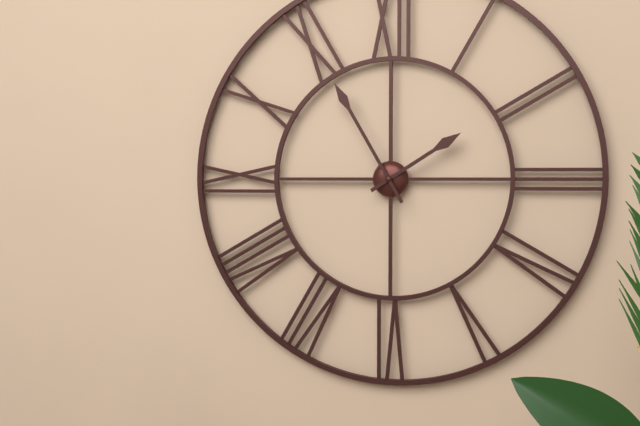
1:55
